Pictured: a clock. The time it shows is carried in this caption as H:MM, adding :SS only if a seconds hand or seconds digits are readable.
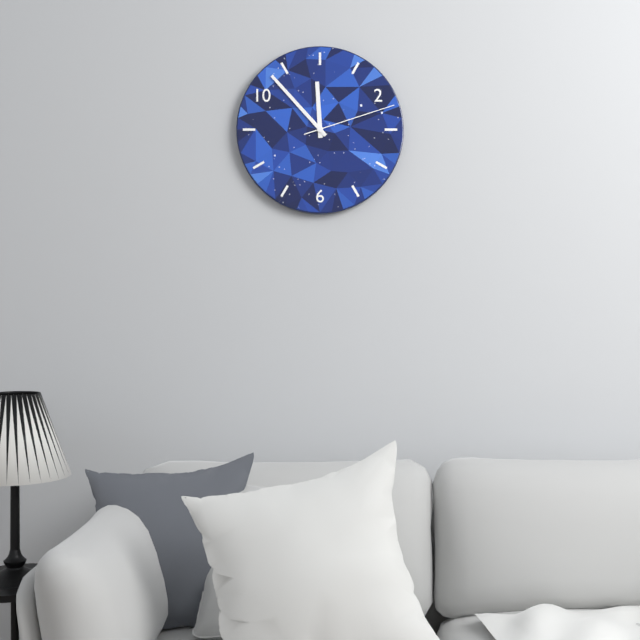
11:53:12
